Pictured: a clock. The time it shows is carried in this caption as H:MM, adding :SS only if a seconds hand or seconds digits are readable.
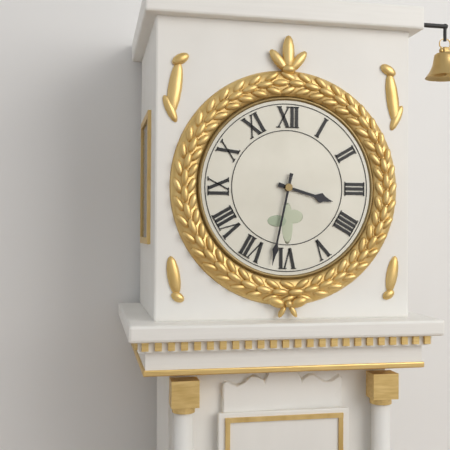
3:32
